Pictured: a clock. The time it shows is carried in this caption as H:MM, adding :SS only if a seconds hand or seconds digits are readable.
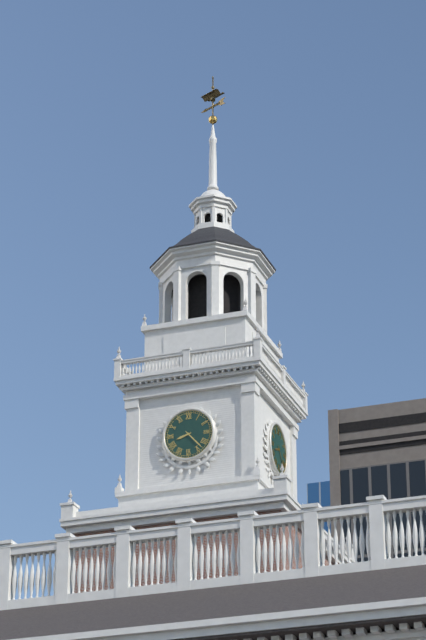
8:23
